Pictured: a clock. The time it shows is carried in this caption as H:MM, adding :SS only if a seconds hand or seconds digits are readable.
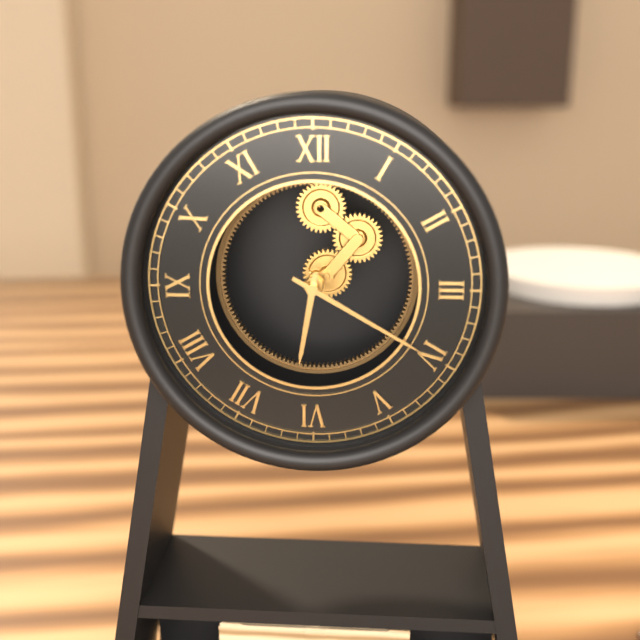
6:20
